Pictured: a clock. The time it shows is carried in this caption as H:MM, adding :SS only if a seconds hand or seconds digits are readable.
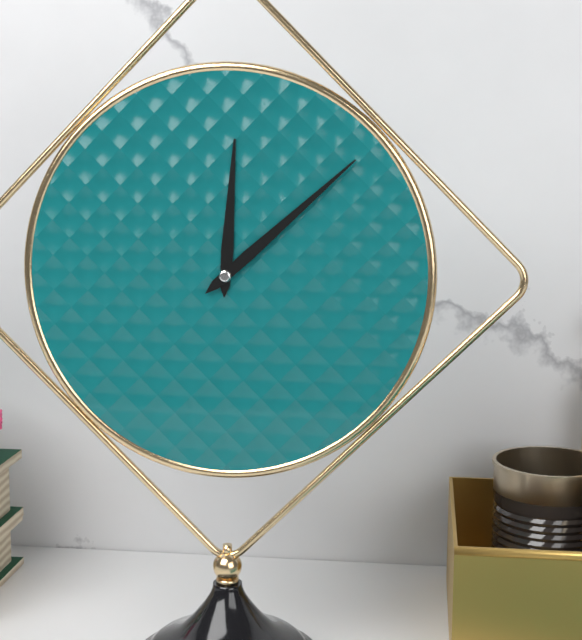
12:08
